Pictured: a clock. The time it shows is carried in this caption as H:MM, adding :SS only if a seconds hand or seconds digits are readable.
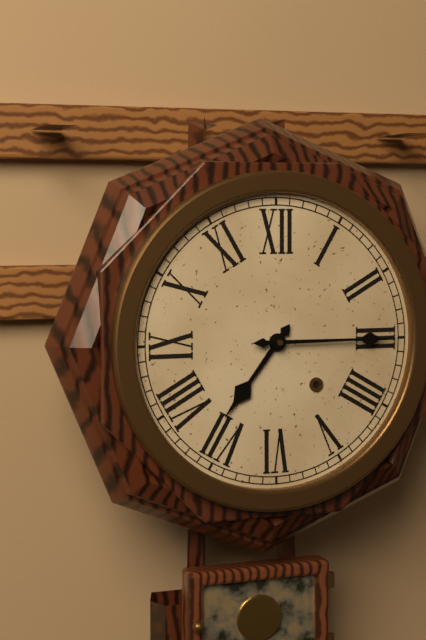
7:15
